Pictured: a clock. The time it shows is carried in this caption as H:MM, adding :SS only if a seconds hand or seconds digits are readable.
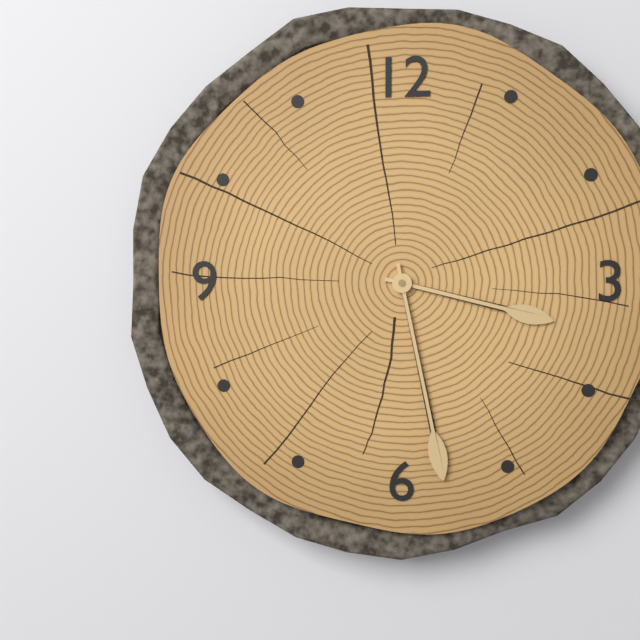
3:28
